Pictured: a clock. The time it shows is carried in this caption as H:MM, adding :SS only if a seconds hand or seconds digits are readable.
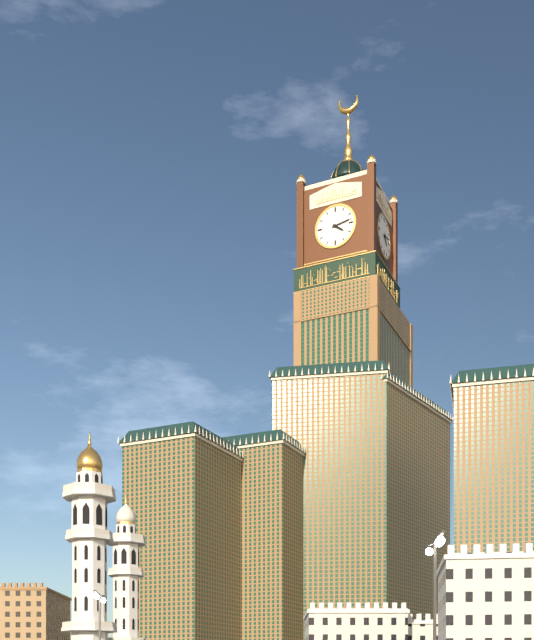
4:13
